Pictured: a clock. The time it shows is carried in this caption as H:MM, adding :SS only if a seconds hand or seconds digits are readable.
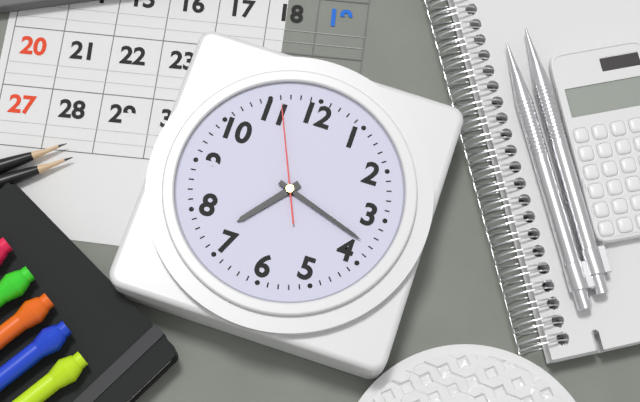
7:18:56
